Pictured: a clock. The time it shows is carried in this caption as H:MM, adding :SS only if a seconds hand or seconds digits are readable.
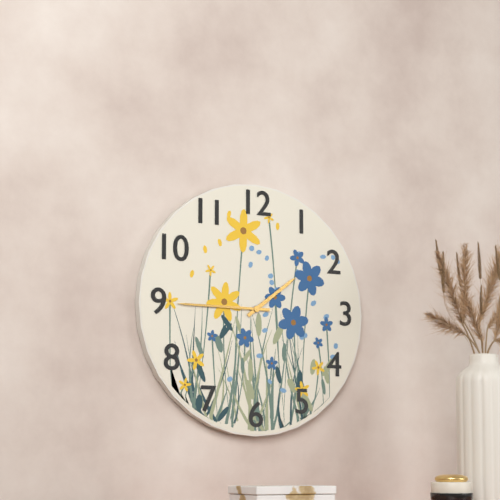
1:45
